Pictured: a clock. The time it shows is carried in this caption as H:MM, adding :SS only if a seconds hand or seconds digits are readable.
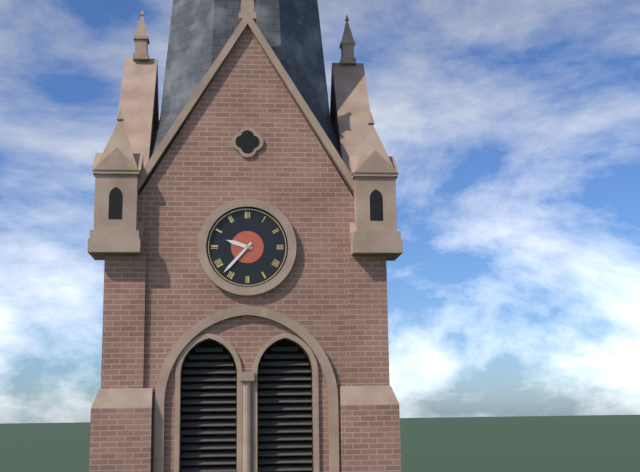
9:37
